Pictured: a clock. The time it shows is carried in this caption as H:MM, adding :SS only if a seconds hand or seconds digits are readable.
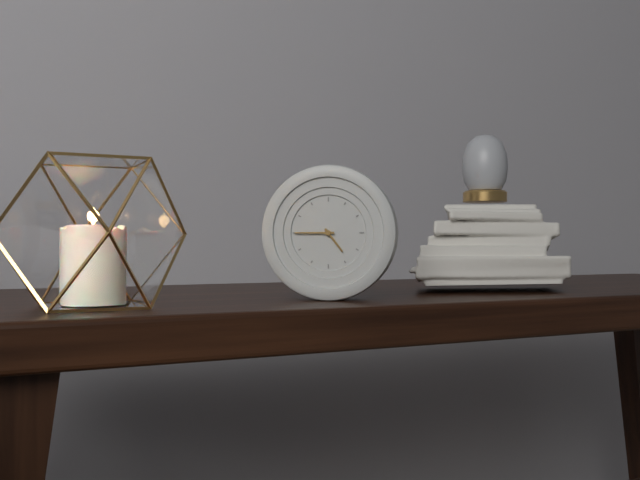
4:45
